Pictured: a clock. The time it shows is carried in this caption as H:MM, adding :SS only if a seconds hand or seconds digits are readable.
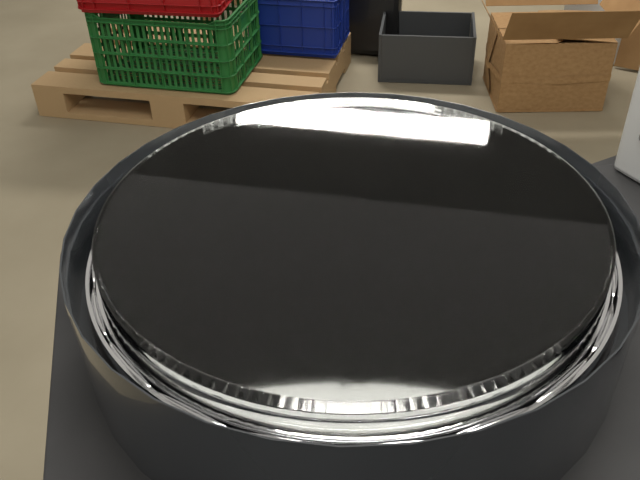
12:32
